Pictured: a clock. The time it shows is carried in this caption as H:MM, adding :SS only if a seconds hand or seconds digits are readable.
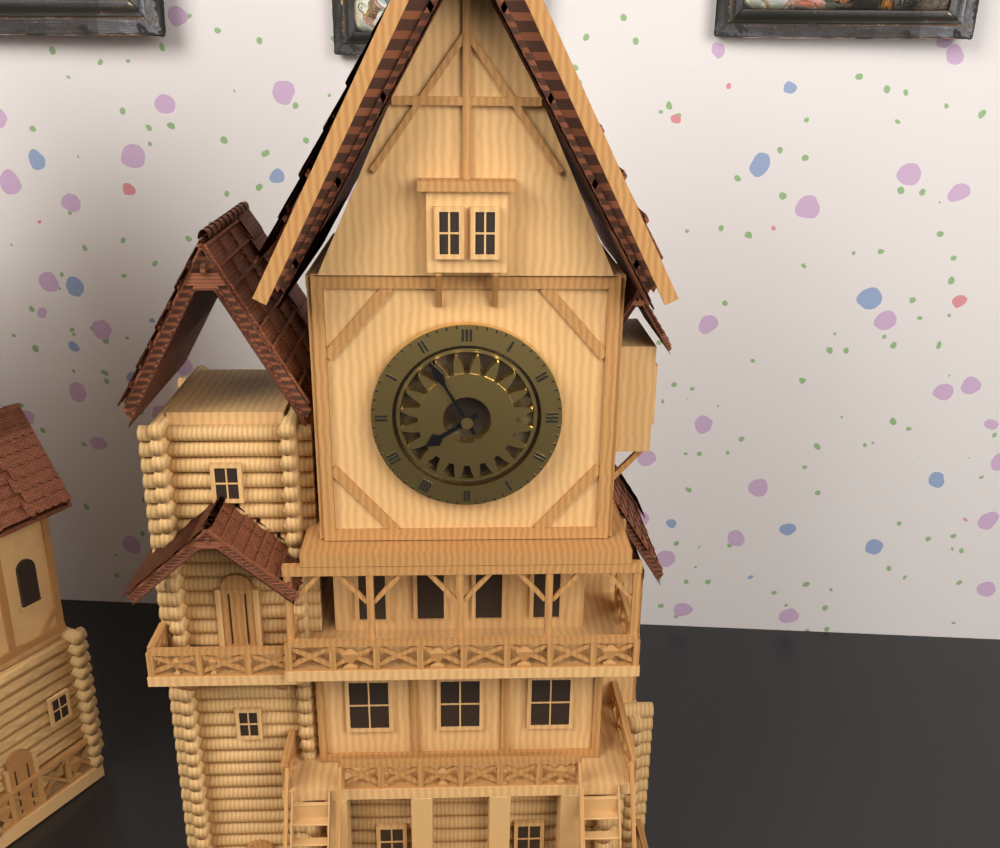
7:55
